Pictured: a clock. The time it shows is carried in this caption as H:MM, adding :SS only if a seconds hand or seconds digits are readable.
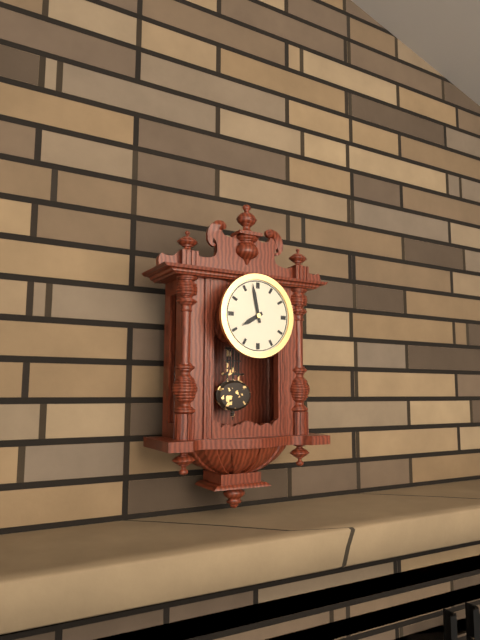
7:58
